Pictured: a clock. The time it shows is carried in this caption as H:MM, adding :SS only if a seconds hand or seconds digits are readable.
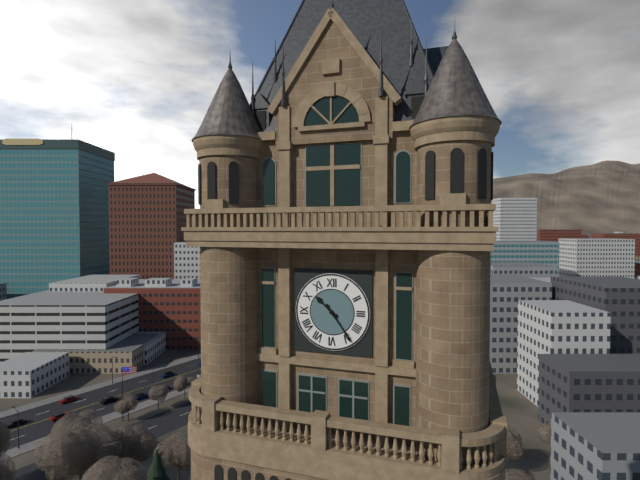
10:24
